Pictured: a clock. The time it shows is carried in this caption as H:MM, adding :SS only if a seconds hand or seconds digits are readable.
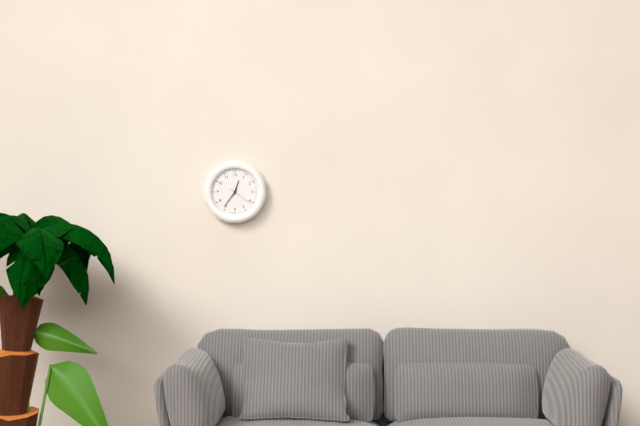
12:36
